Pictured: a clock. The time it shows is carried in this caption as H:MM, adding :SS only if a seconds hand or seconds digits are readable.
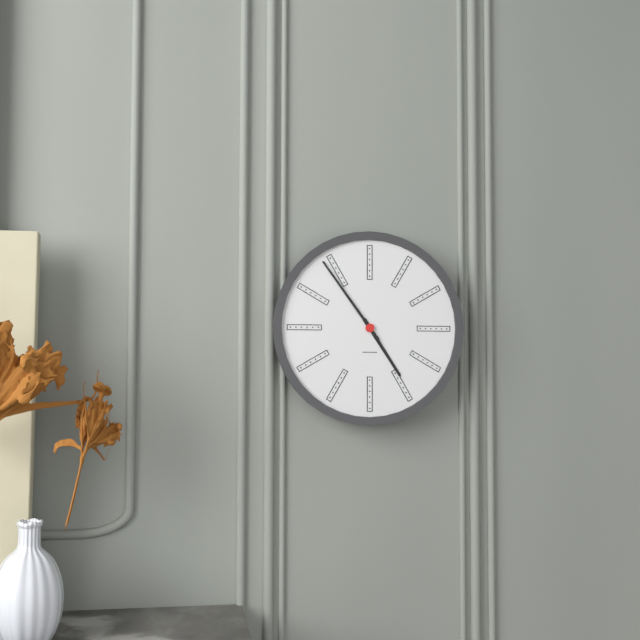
4:54
